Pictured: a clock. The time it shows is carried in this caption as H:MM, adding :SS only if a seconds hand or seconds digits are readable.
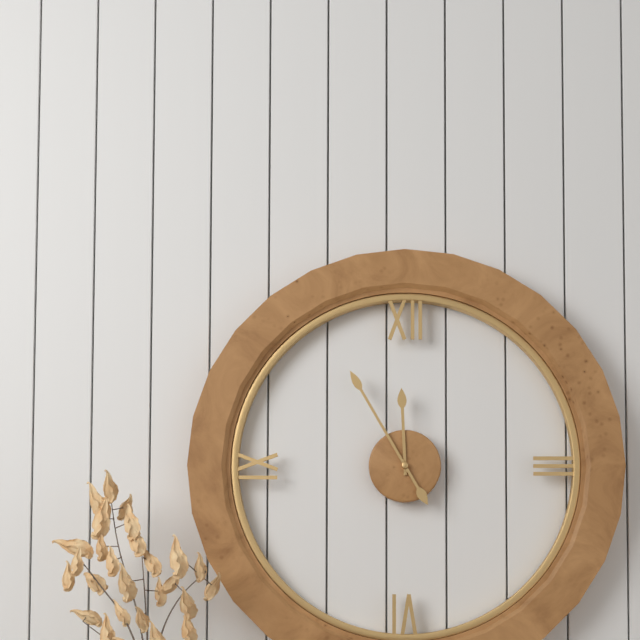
11:55
